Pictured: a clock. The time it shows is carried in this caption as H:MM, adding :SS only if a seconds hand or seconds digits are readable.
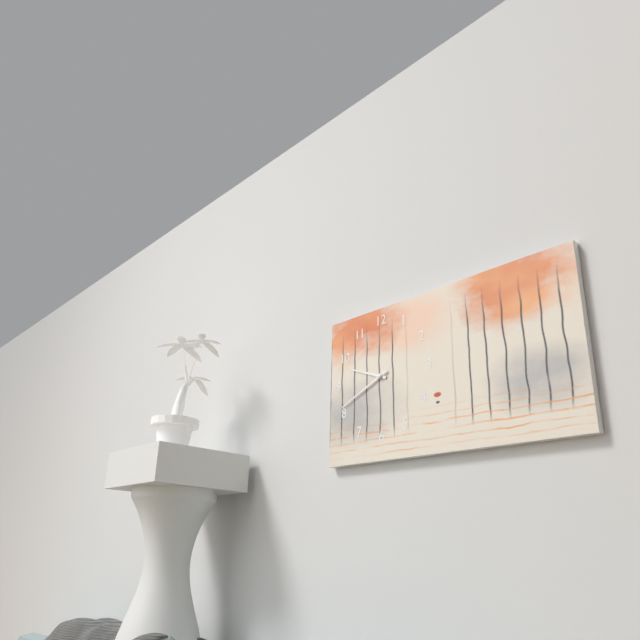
9:41
